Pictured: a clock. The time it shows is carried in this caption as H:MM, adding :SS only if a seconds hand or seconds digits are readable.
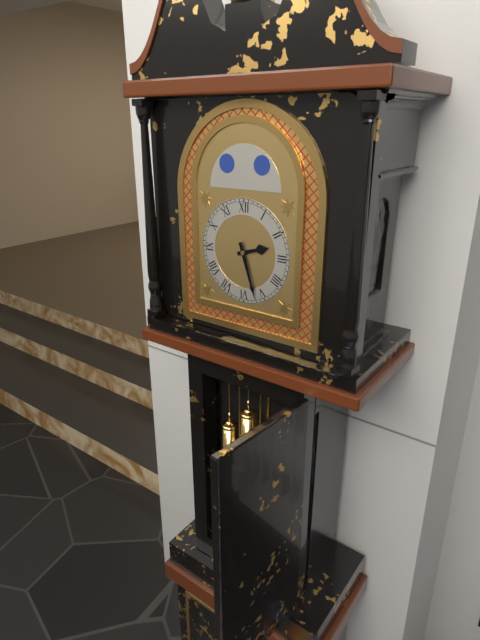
2:27
